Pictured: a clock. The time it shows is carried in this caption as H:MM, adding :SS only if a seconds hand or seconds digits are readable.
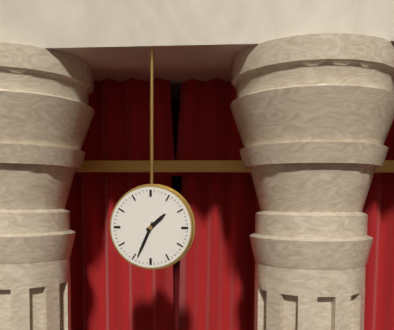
1:34
